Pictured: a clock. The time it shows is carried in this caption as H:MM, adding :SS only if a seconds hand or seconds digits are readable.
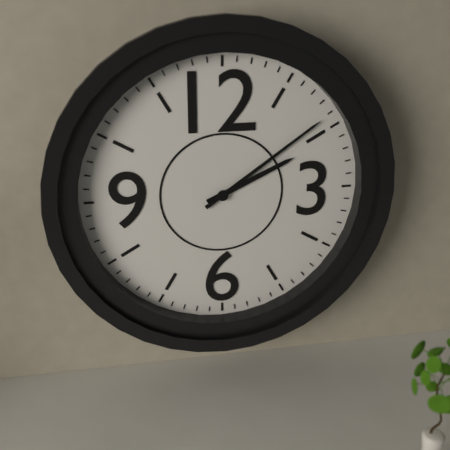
2:09
